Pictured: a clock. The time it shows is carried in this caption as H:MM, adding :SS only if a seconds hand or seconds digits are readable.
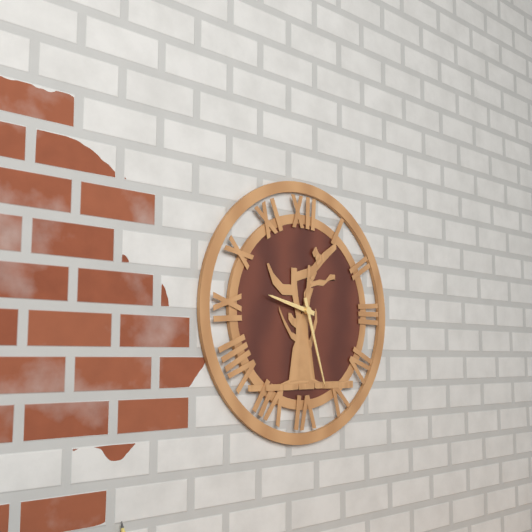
9:27
